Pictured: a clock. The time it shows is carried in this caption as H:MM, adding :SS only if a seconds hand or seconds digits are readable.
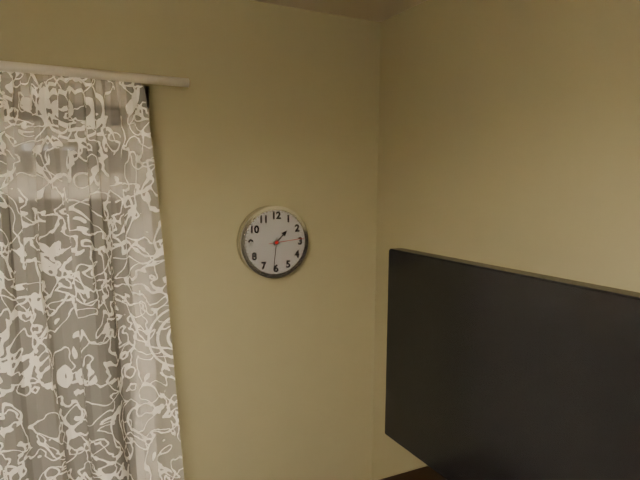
1:31
